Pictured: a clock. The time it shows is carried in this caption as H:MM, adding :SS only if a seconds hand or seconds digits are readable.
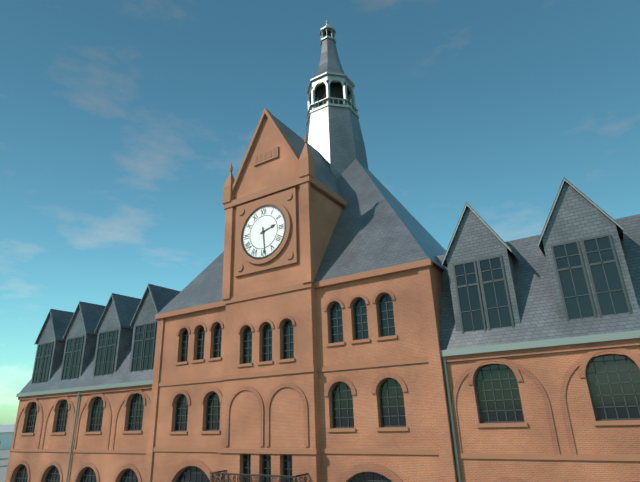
2:29
